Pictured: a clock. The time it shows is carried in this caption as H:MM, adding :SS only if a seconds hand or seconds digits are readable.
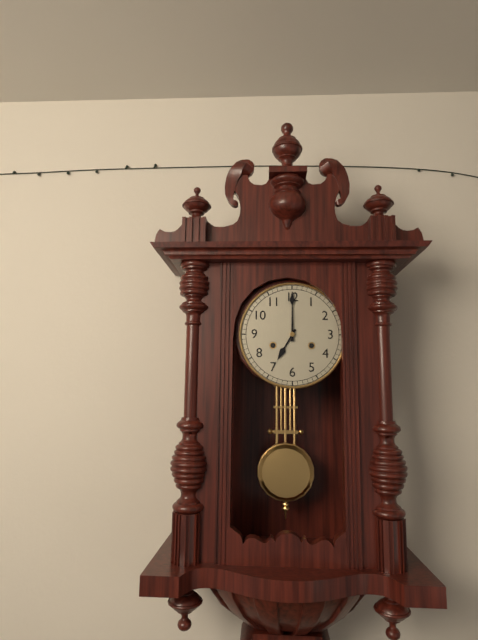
7:00
